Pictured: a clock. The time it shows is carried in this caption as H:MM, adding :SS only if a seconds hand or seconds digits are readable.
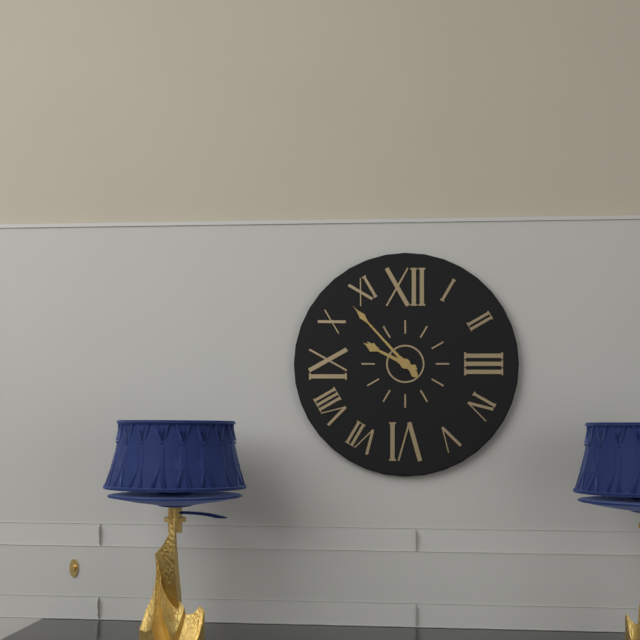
9:53
